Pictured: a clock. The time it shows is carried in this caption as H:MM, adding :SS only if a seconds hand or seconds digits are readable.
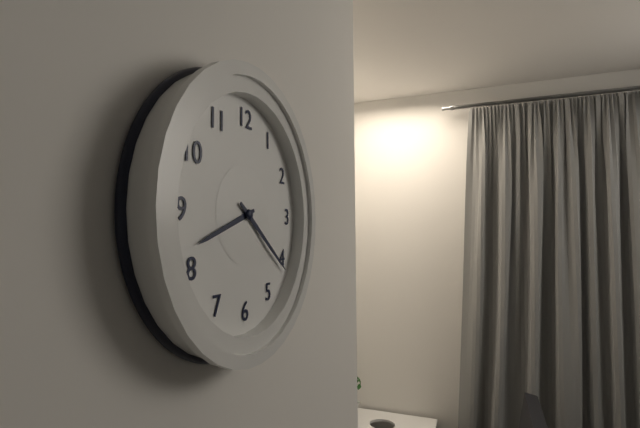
8:21
